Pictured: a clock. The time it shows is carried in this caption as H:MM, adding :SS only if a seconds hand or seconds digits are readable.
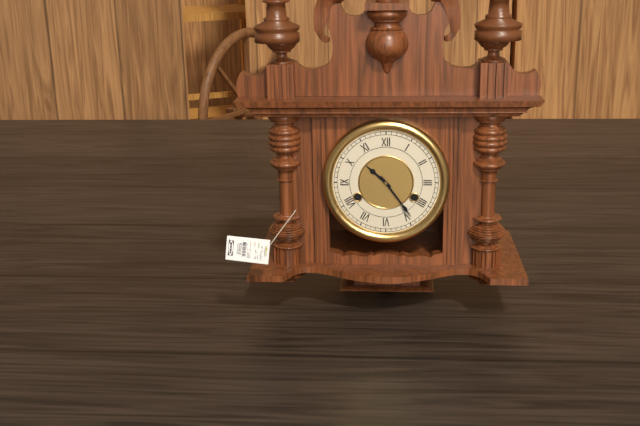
10:24
